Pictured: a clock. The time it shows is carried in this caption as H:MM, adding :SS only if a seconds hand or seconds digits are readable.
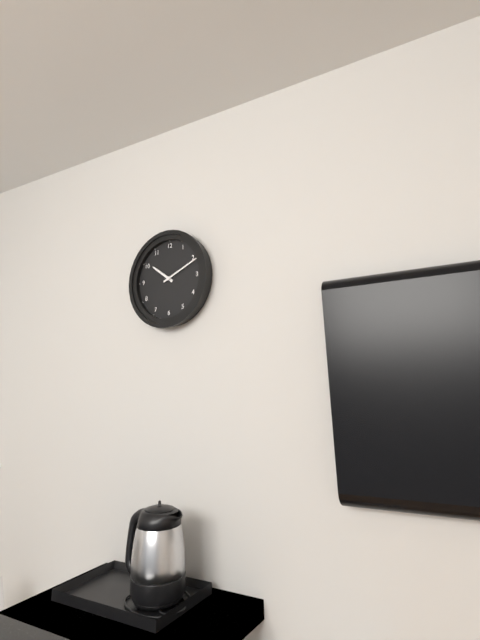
10:11
